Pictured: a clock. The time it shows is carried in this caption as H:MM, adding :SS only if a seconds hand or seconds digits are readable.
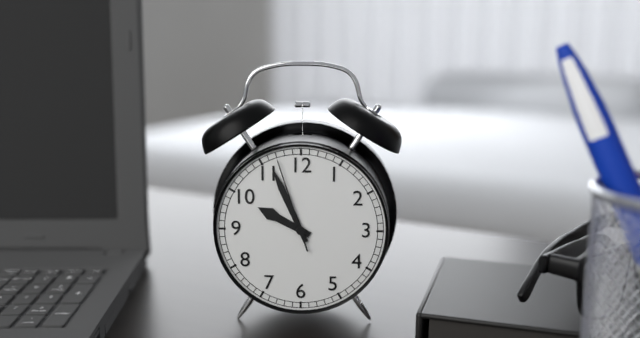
9:56:57
